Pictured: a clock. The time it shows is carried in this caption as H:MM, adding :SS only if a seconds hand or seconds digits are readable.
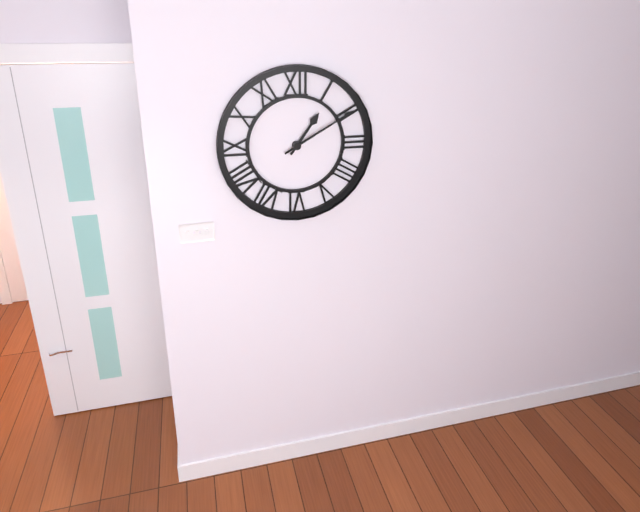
1:10
